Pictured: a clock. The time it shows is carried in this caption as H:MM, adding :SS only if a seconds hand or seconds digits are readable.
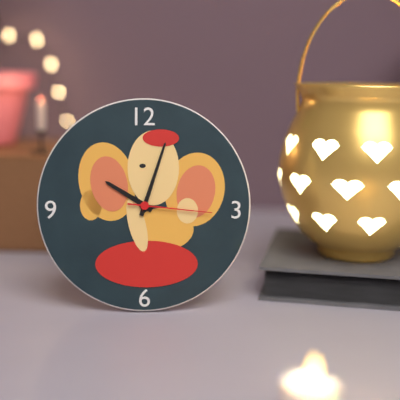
10:03:16
